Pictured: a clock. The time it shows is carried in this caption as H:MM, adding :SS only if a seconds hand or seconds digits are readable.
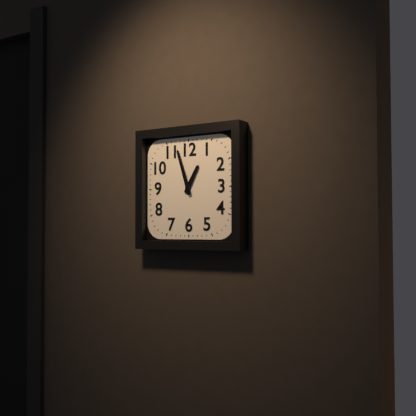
12:57
